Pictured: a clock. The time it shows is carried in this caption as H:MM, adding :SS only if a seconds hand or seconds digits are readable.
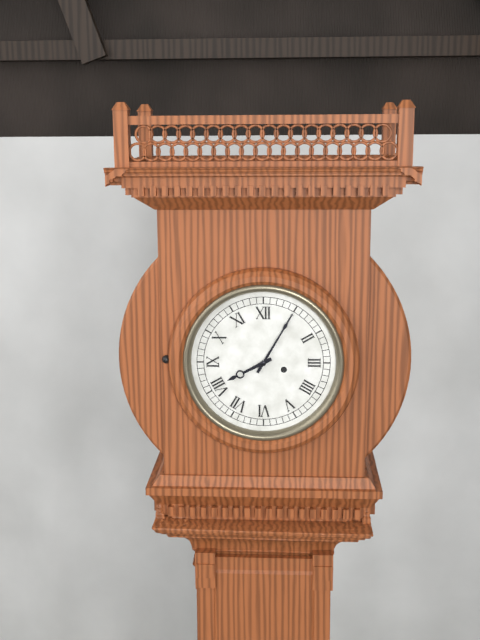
8:05
